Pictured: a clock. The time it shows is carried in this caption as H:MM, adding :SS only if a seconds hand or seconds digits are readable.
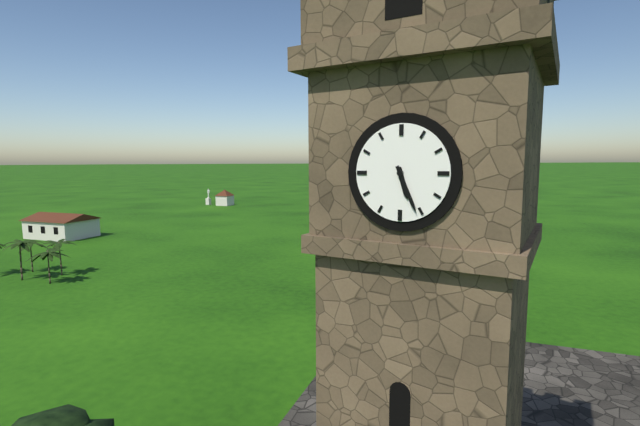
5:26
